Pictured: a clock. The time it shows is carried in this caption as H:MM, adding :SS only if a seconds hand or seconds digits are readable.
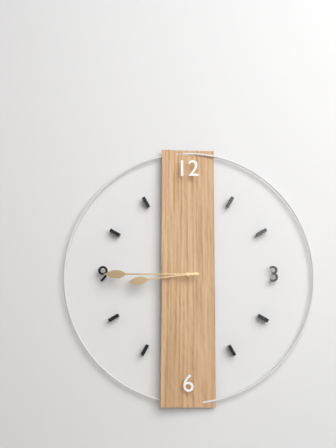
8:45
